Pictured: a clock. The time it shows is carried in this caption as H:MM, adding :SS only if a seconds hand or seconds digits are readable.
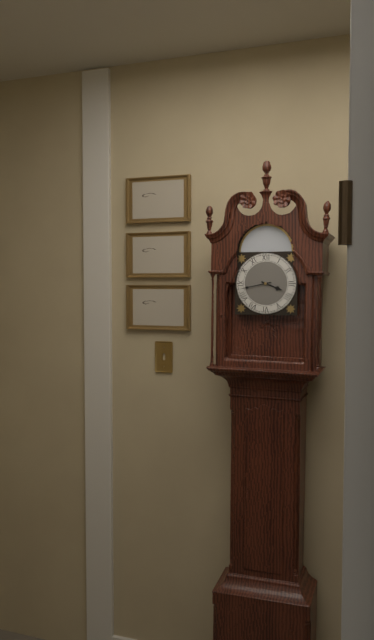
3:43
